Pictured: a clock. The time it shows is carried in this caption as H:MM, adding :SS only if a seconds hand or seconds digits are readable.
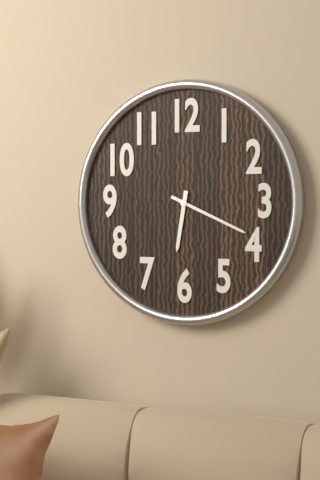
6:19
